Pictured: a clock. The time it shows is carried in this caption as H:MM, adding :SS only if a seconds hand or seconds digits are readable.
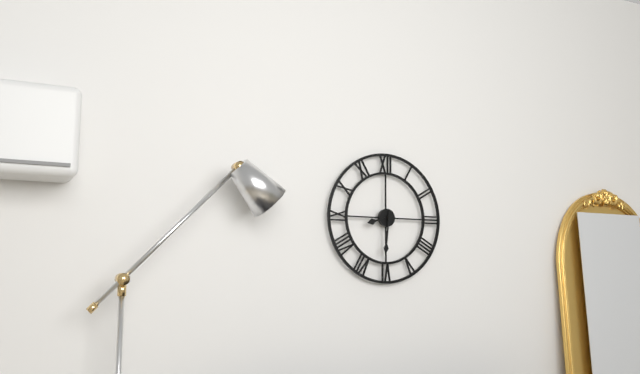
8:31
